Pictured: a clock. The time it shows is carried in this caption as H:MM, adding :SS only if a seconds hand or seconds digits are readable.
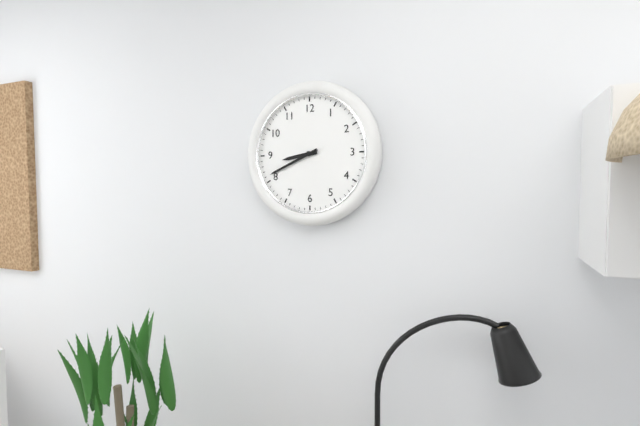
8:41
